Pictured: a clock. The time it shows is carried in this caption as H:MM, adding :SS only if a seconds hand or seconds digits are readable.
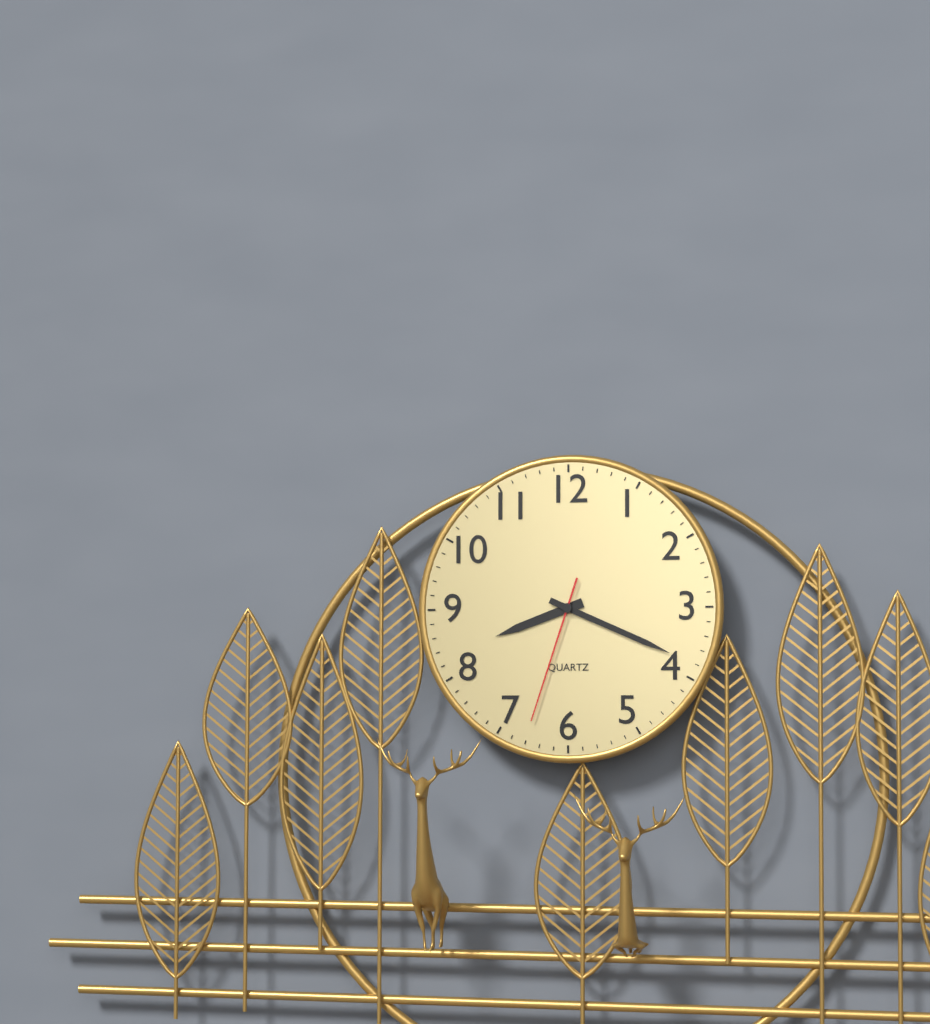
8:19:33
